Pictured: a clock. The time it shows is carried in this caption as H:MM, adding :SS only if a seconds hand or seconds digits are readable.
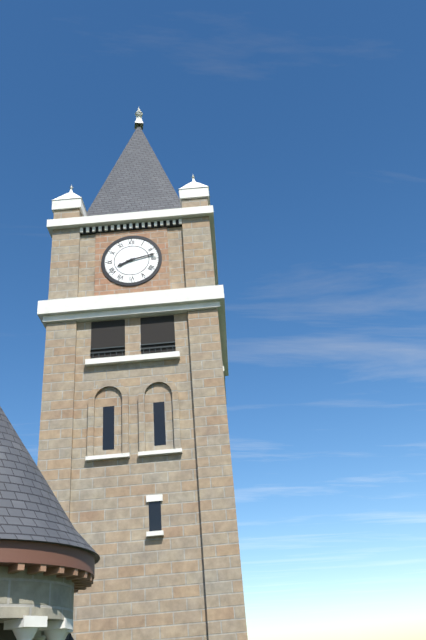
8:13
